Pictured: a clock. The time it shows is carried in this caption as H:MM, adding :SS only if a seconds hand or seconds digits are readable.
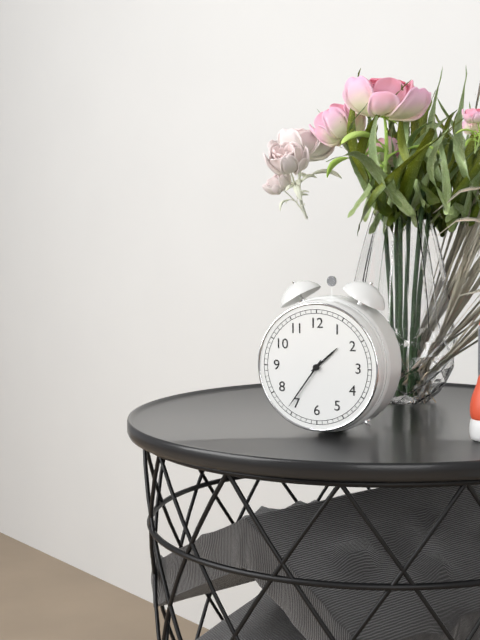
1:36
